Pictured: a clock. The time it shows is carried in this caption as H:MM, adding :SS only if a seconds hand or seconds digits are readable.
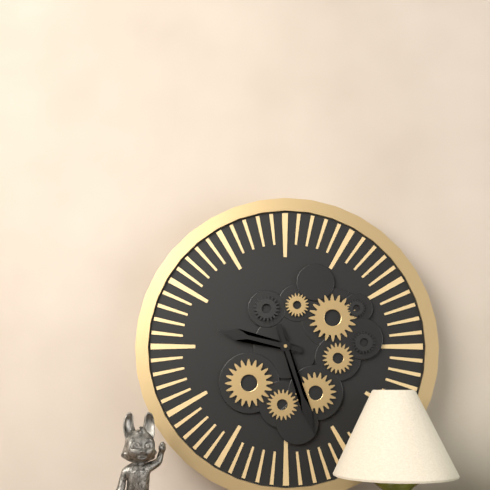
9:27
